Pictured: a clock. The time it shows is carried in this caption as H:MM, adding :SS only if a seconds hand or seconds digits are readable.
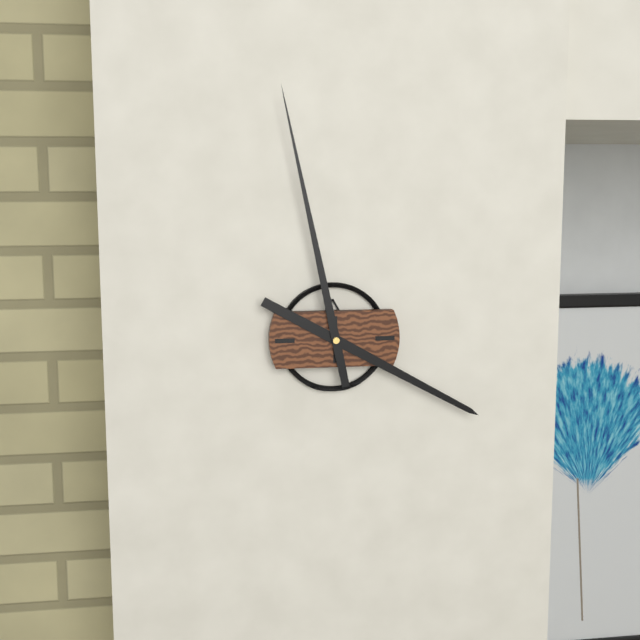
3:58
